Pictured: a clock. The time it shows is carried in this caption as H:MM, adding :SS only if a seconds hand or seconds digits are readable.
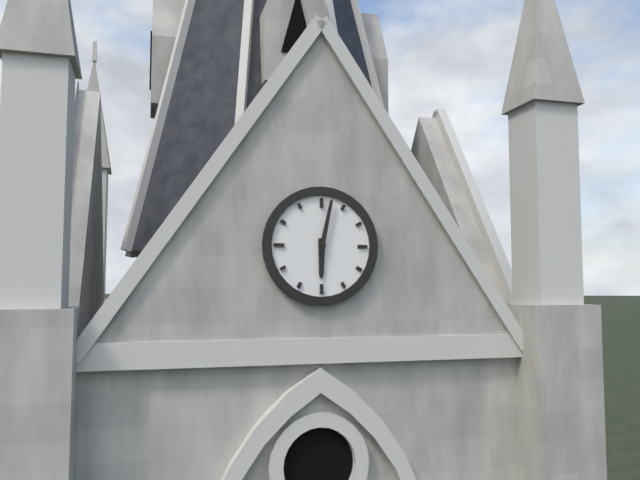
6:02
